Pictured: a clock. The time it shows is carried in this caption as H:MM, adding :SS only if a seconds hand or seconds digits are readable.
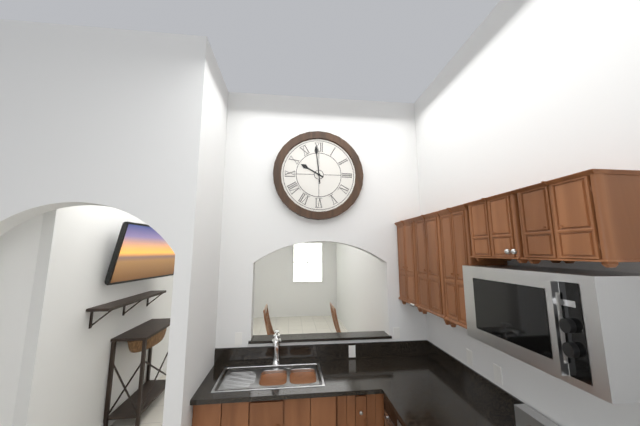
9:59
